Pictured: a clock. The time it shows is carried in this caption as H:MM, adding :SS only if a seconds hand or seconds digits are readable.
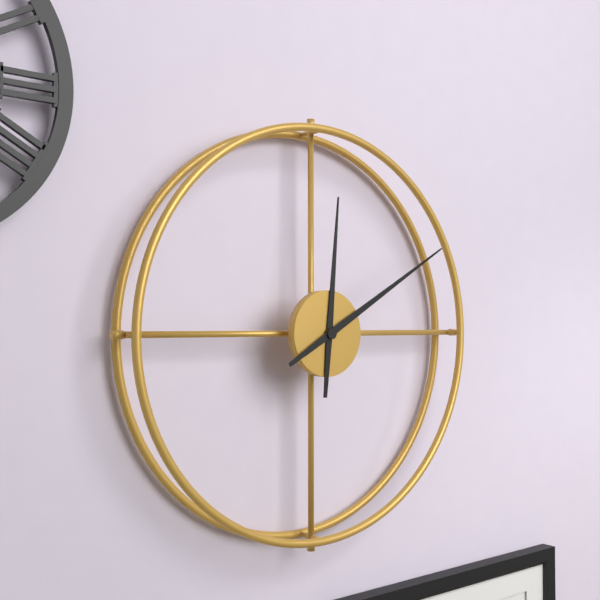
12:10
